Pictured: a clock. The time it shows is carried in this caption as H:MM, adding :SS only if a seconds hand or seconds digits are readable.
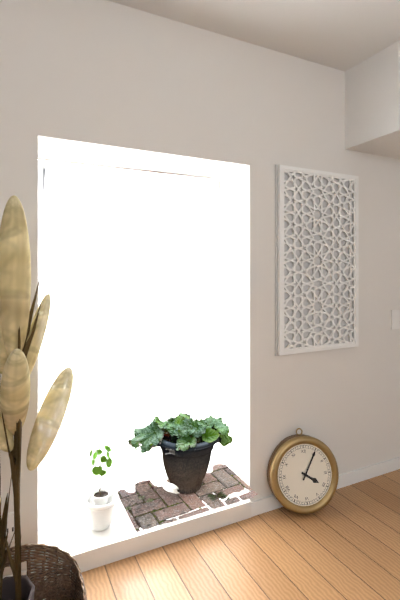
4:05
